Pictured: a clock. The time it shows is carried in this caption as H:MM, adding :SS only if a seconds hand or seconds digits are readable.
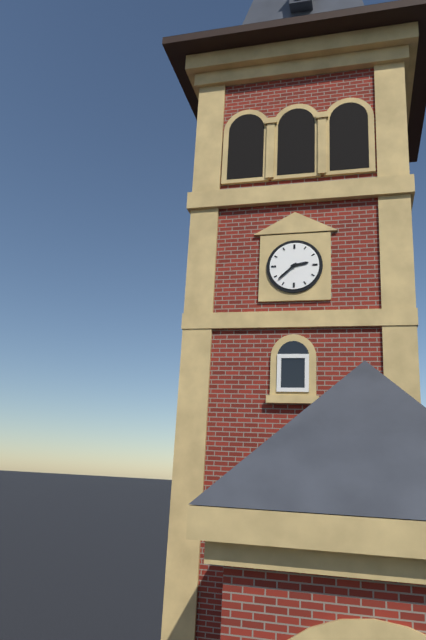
2:38
